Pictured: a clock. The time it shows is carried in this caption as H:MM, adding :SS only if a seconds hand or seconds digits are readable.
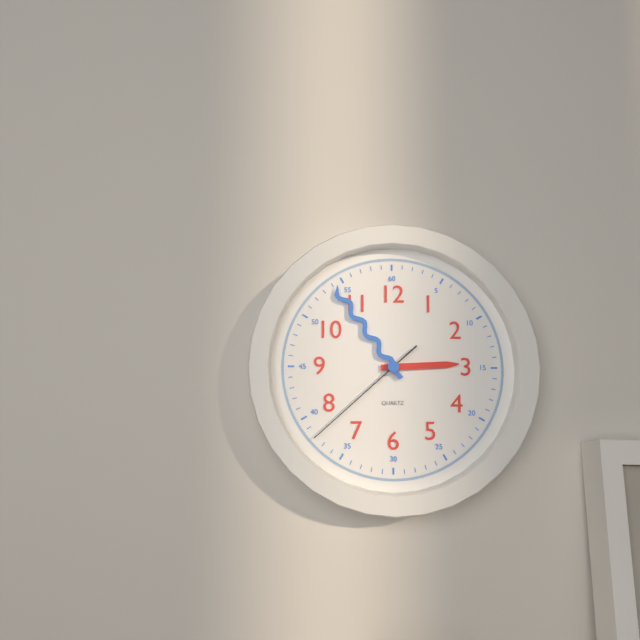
2:54:38
